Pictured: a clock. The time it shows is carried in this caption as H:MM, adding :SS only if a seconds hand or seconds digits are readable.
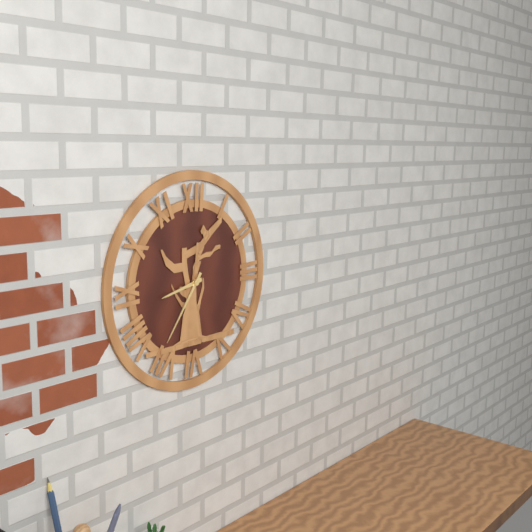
8:36
